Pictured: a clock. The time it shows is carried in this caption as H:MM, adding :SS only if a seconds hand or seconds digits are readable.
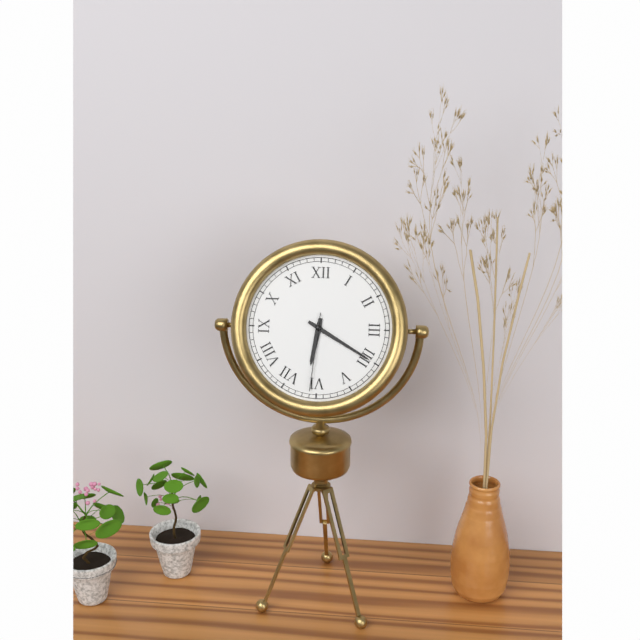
6:20:31
